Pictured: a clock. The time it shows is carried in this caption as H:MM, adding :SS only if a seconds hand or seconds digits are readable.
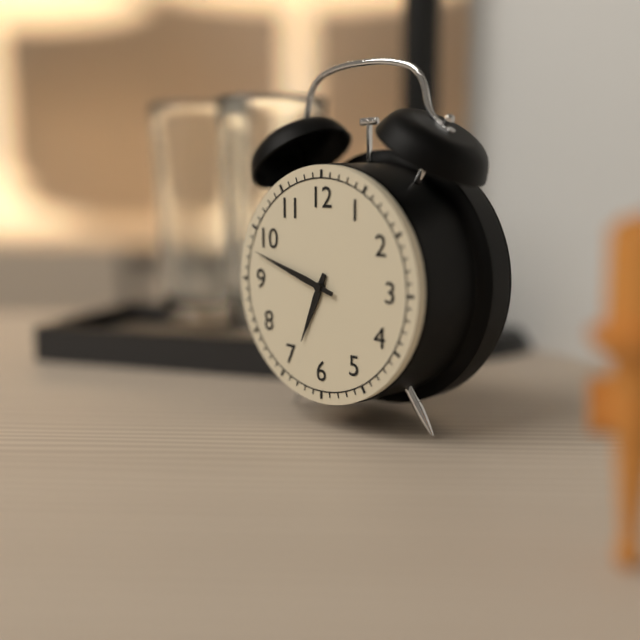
6:48
